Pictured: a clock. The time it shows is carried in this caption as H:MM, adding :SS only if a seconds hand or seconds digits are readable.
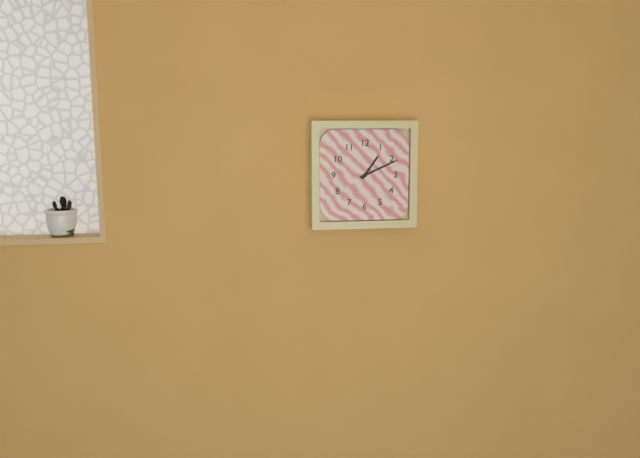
1:11
